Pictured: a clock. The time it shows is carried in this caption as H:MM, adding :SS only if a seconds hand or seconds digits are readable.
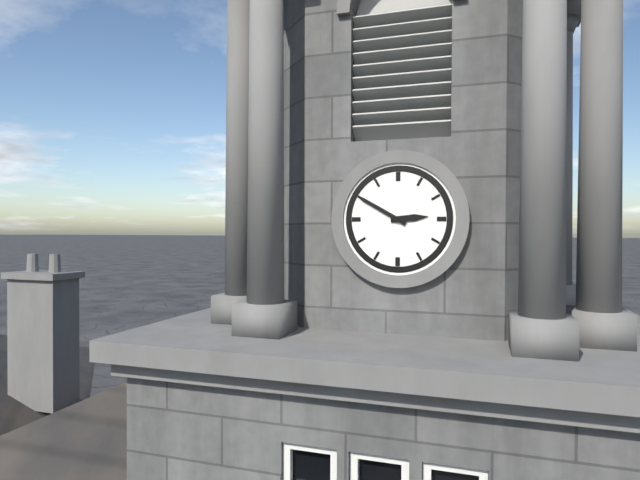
2:50
